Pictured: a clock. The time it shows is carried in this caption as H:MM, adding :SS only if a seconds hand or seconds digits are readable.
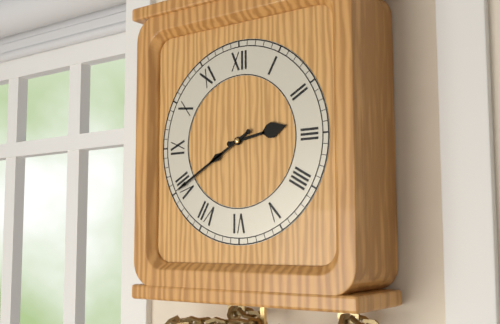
2:40
